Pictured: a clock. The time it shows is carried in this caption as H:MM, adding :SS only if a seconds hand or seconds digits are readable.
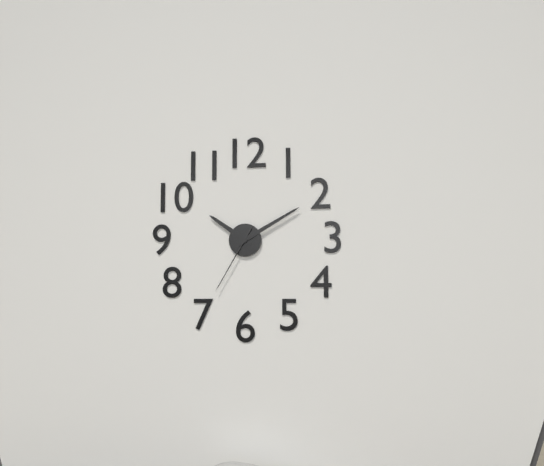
10:10:35
